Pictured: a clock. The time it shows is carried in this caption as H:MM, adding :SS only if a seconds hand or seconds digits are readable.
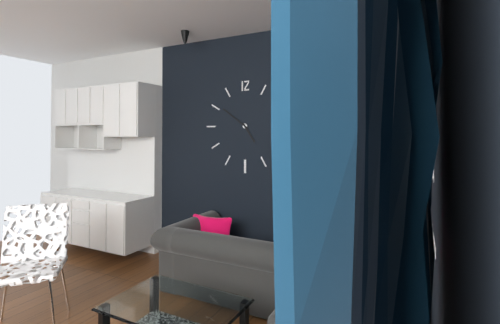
4:51
